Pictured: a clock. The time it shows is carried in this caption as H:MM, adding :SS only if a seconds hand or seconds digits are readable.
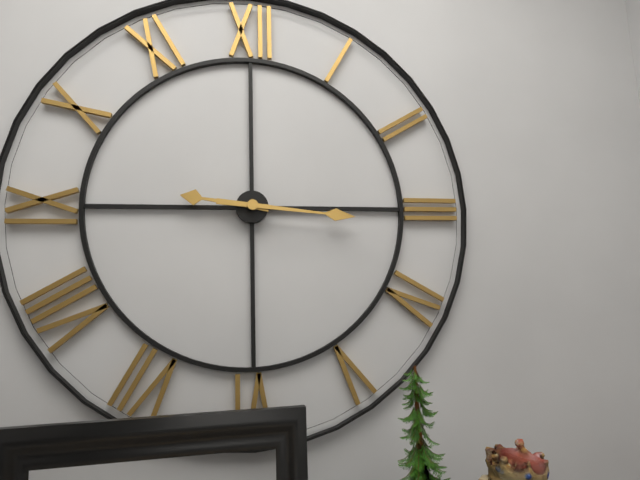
9:16
